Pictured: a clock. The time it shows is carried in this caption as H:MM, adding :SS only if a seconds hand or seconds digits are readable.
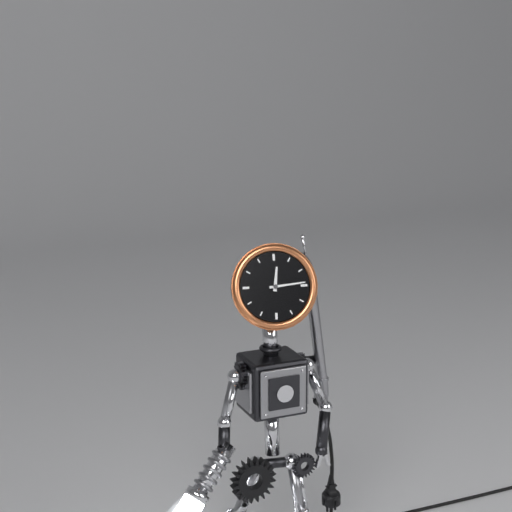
12:14
